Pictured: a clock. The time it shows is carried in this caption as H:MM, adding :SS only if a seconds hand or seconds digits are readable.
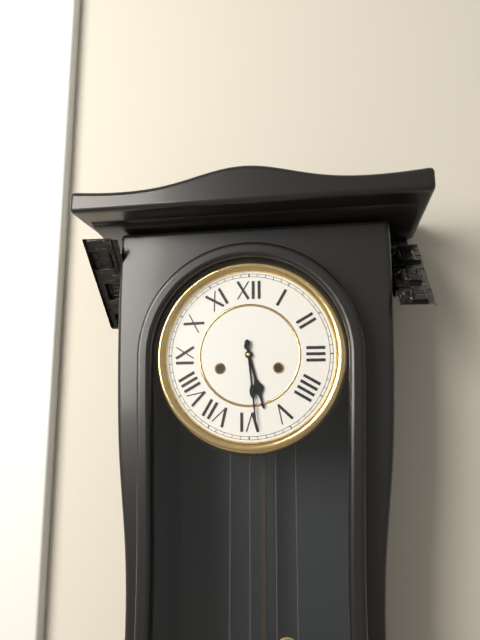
5:29
